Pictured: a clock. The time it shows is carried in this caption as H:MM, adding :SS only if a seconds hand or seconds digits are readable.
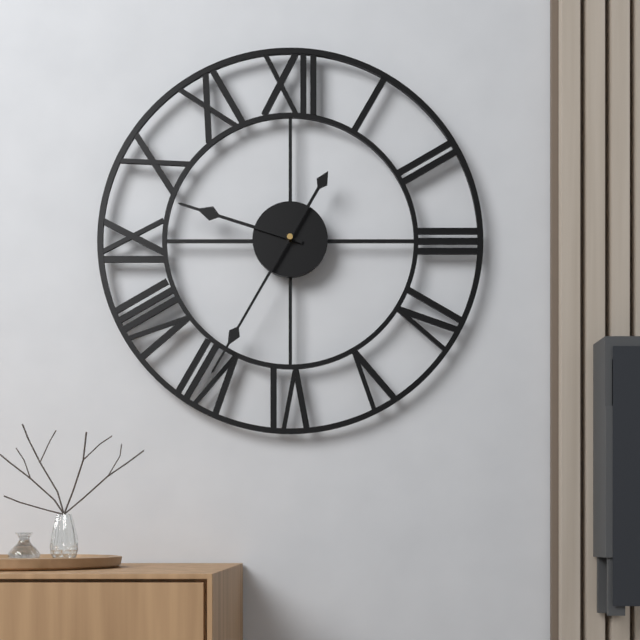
9:35
